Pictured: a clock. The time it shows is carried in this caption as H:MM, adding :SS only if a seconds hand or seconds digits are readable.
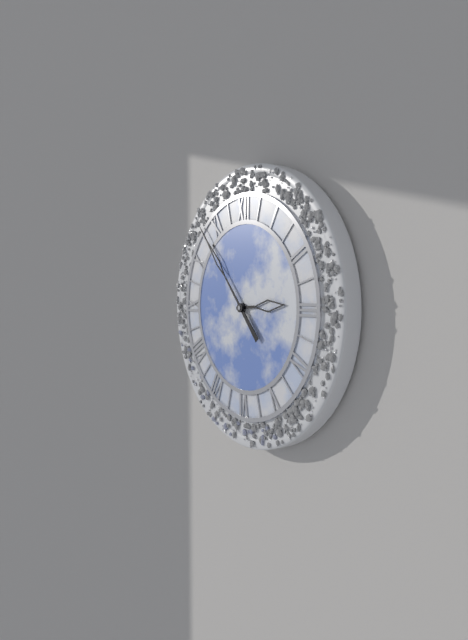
2:53
